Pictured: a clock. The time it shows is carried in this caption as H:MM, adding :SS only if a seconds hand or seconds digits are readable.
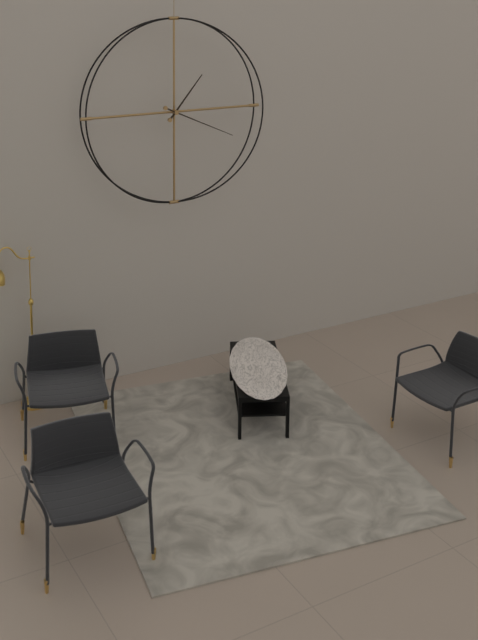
1:19
